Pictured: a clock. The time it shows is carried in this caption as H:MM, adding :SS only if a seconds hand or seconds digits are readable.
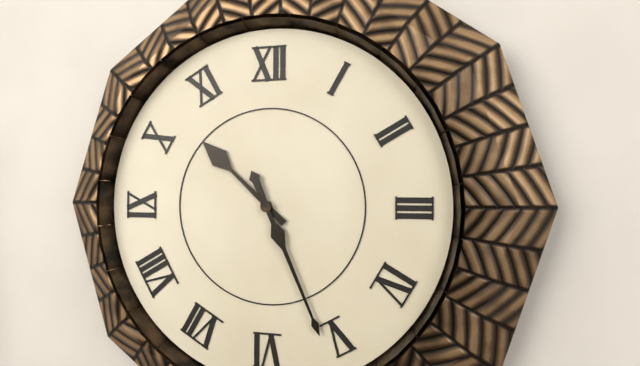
10:26
